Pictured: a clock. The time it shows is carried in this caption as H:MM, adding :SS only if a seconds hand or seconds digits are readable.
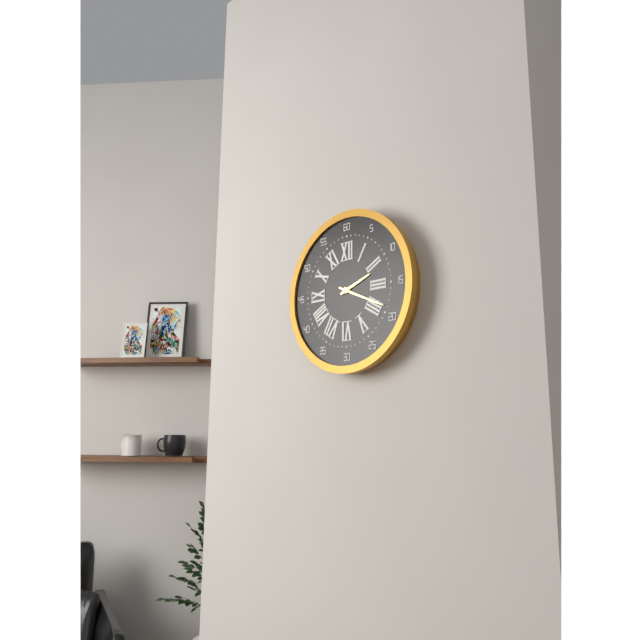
2:19
